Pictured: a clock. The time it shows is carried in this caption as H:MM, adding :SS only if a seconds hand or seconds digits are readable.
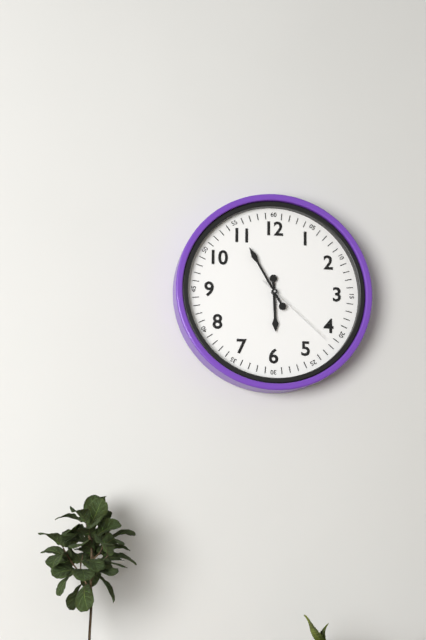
5:55:22
